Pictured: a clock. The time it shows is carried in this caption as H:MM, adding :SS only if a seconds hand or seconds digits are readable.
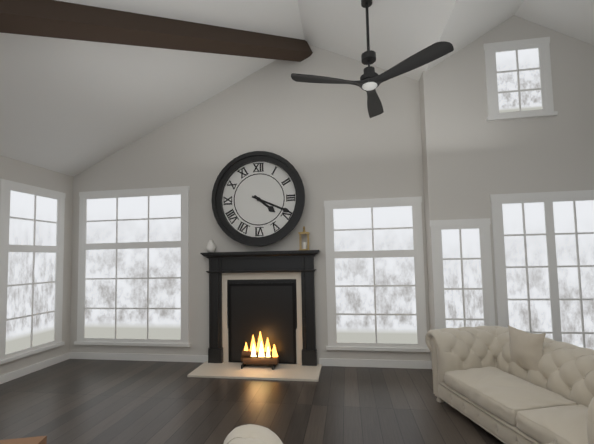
4:19
